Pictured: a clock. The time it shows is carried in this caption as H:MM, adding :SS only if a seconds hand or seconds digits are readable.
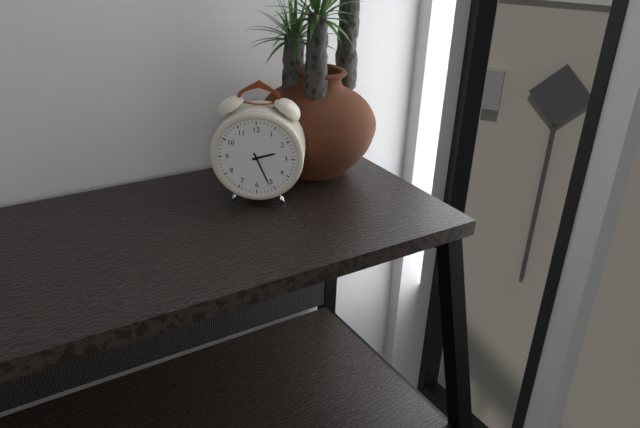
2:26
